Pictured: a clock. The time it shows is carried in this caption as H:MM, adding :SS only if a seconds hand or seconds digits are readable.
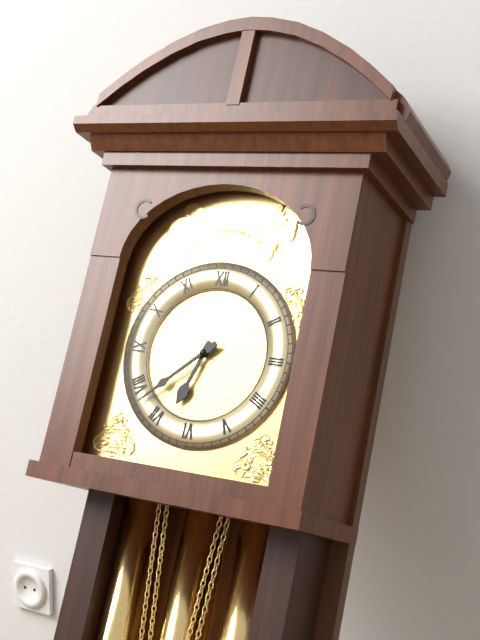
6:38
